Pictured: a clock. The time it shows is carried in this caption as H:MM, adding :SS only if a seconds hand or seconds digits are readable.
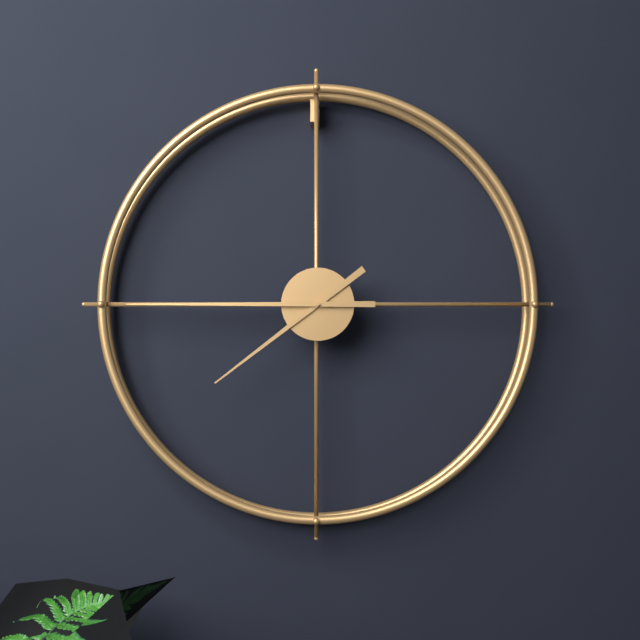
7:45
